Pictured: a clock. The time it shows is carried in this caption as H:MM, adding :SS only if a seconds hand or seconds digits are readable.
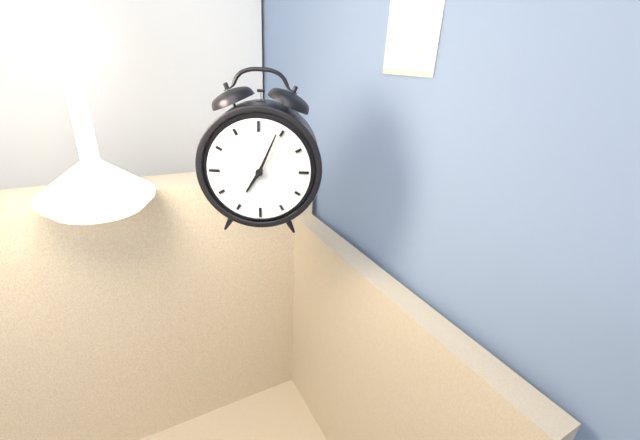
7:04
